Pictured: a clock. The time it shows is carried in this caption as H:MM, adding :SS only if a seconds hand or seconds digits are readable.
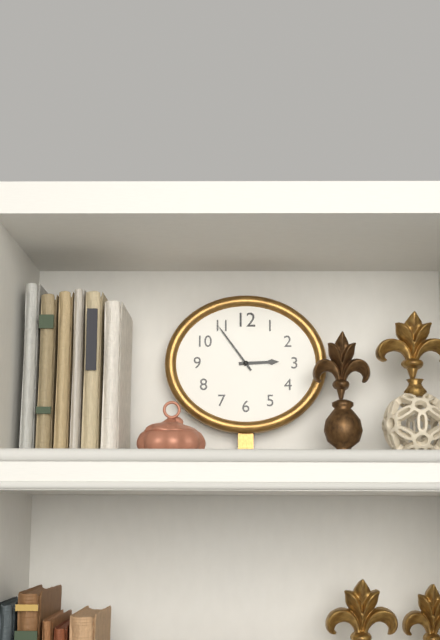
2:54
